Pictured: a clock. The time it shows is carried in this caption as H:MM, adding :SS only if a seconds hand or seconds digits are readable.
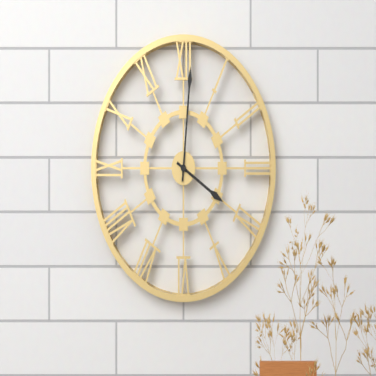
4:01
